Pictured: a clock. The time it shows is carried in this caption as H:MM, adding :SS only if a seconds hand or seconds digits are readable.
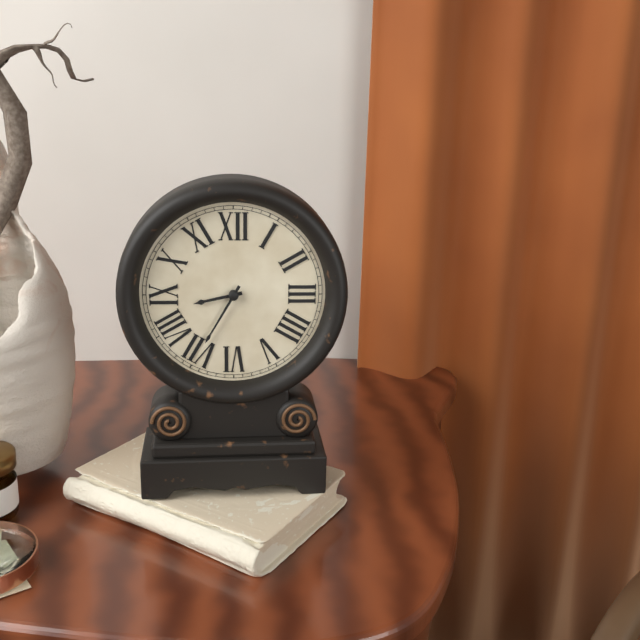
8:35
